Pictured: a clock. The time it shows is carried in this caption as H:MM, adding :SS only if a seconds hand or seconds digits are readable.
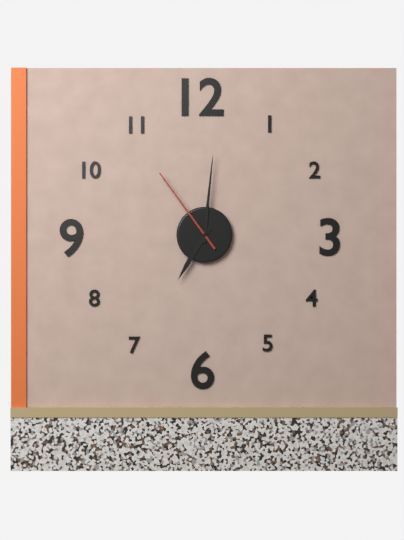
7:01:54
